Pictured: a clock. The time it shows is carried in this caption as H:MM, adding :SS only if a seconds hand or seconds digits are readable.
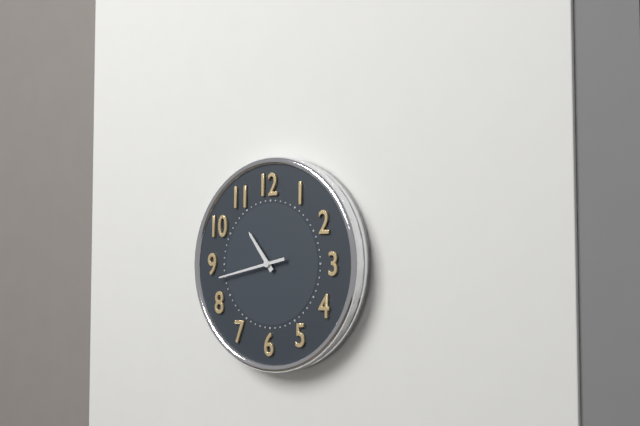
10:43
